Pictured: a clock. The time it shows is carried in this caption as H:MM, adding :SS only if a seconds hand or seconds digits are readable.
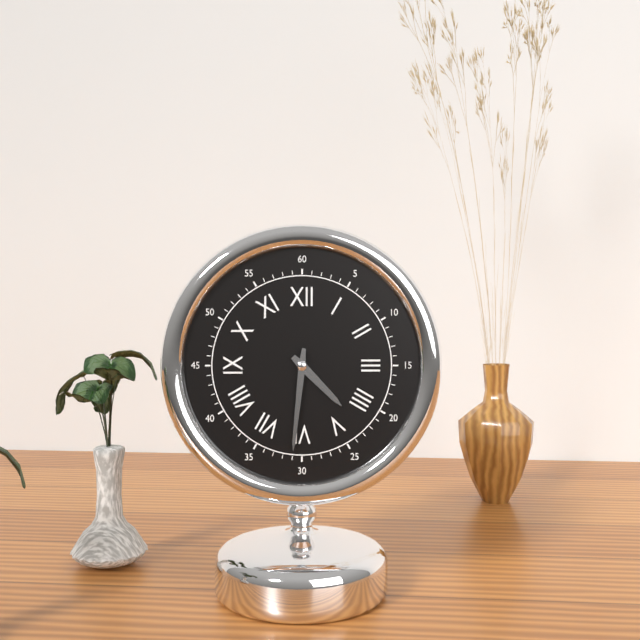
4:31
